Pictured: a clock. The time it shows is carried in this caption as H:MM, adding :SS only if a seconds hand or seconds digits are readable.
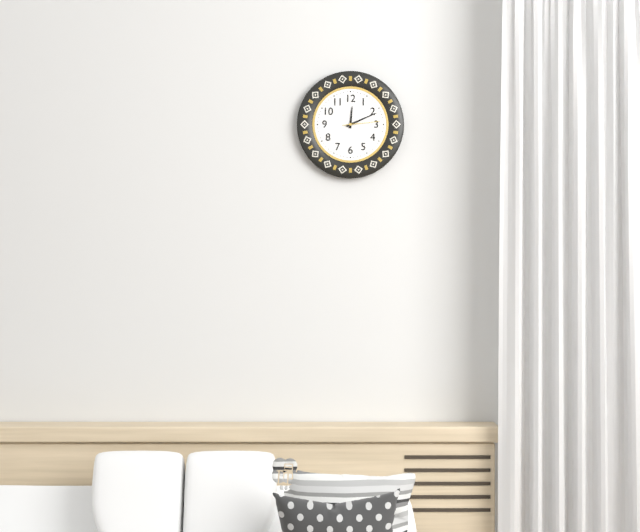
12:11
